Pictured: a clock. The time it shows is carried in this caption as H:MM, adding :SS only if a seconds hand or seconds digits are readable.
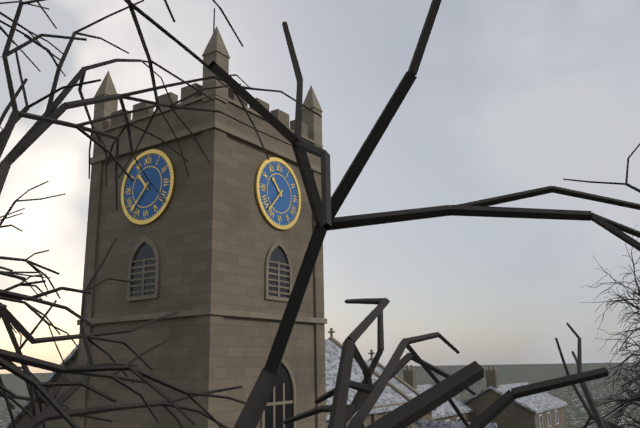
10:37
